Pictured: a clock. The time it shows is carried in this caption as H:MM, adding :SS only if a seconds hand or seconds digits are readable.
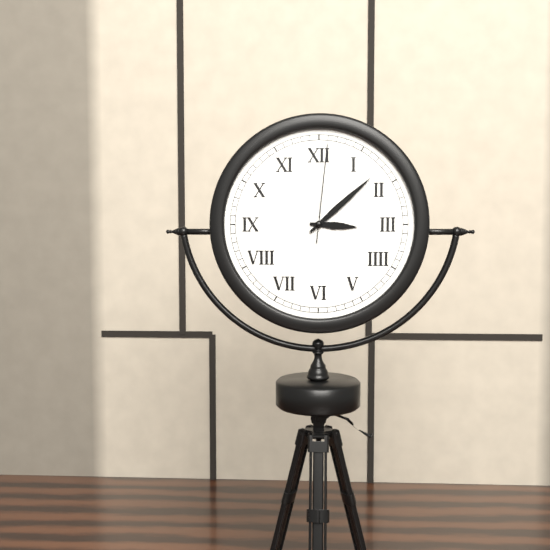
3:08:01
